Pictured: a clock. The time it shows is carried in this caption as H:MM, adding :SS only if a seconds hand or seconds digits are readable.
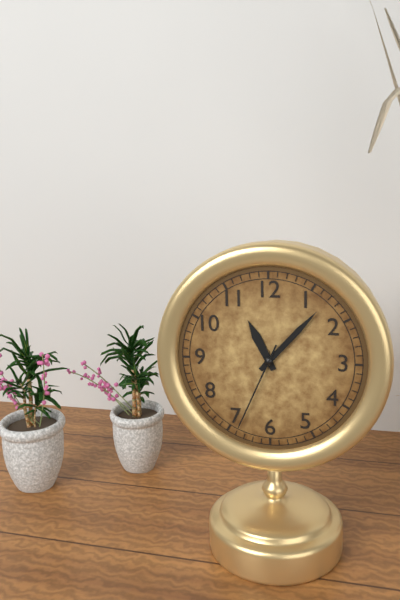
11:07:34
